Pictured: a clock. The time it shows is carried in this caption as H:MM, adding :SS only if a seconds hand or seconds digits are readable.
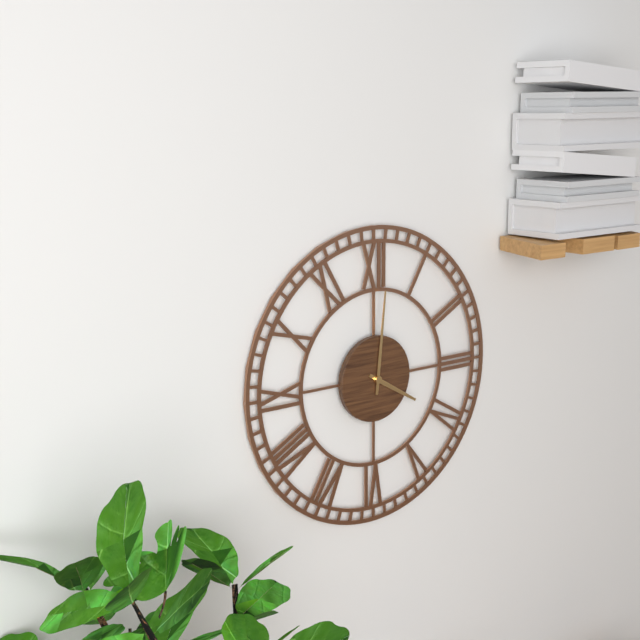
4:01
